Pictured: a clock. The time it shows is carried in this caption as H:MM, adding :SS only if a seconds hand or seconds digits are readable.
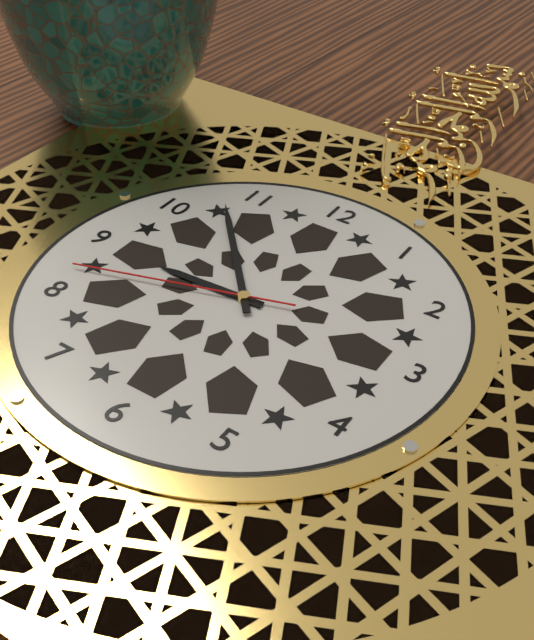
8:53:42
